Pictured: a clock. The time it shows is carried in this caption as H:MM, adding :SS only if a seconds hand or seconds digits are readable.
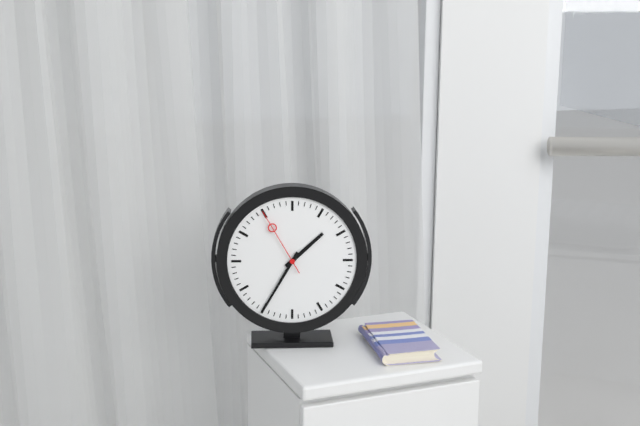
1:35:55
